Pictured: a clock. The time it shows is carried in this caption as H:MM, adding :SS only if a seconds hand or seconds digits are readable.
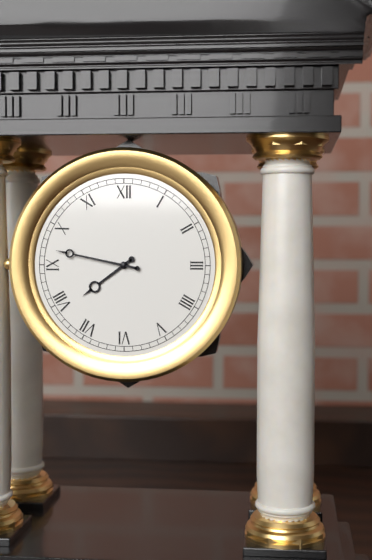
7:47
